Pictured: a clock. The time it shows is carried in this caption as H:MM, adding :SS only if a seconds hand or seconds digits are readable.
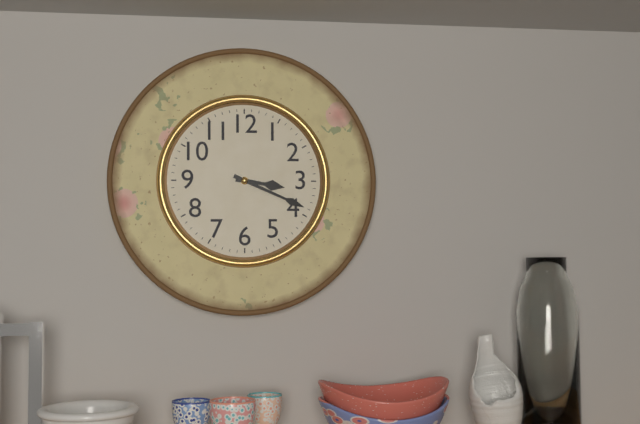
3:19
